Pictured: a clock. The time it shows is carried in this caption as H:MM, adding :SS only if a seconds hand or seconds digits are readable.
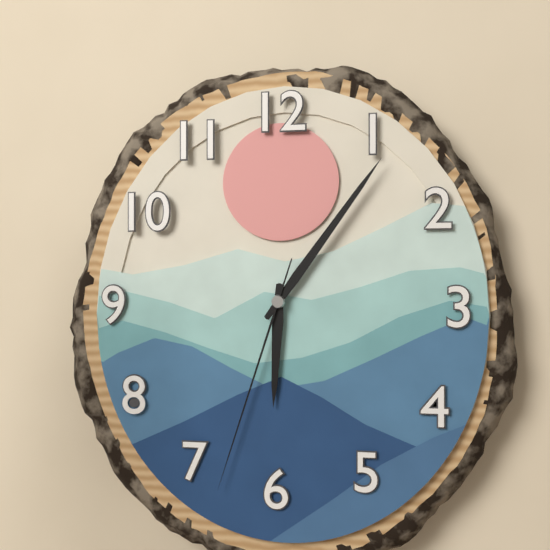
6:06:33
